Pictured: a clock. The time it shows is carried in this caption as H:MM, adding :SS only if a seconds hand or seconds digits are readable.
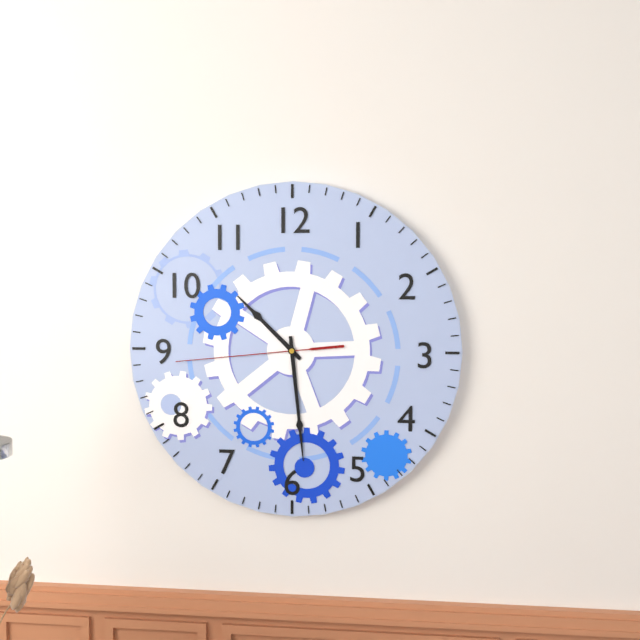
10:29:44
